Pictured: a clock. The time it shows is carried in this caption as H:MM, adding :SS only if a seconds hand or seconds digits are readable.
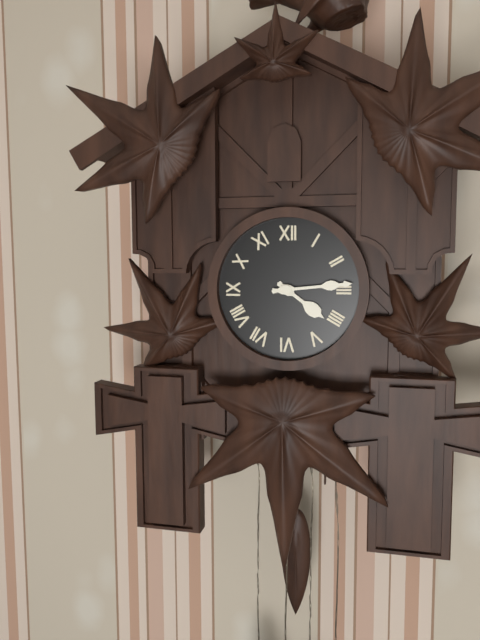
4:14
